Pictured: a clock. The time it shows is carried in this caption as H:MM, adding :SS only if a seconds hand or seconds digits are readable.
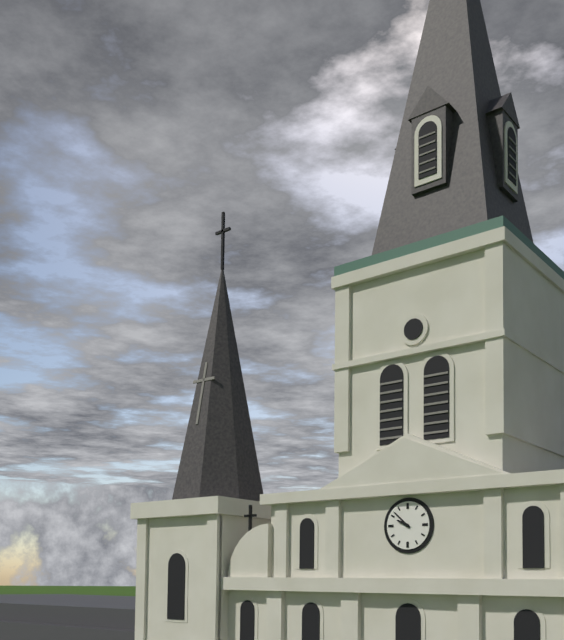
9:52
